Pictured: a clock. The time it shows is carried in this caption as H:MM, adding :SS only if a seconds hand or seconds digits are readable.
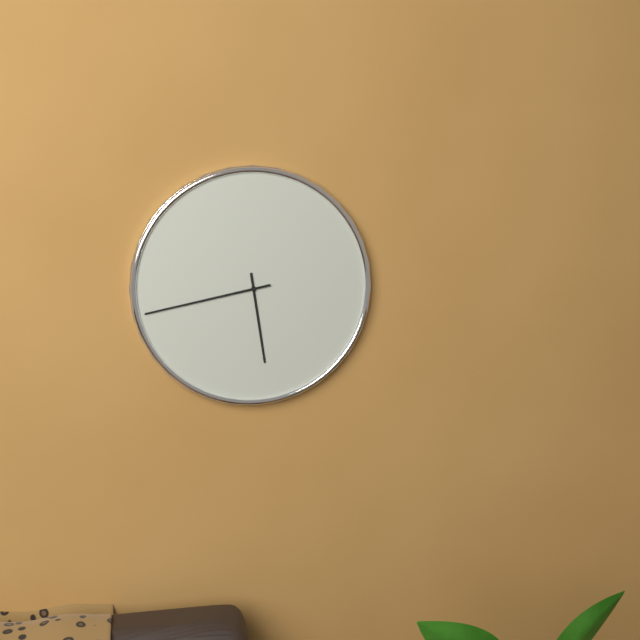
5:43
